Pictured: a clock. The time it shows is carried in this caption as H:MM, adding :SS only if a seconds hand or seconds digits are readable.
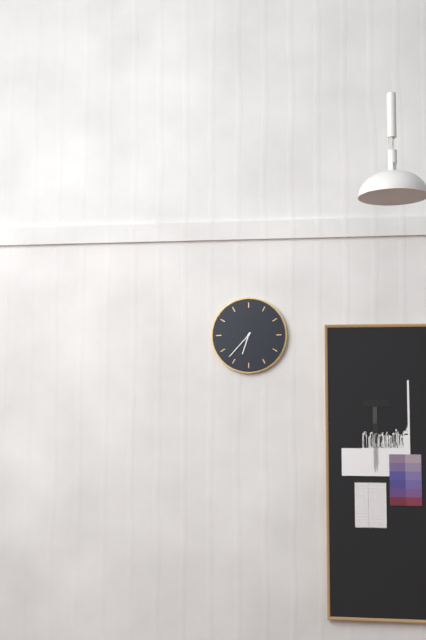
6:37
